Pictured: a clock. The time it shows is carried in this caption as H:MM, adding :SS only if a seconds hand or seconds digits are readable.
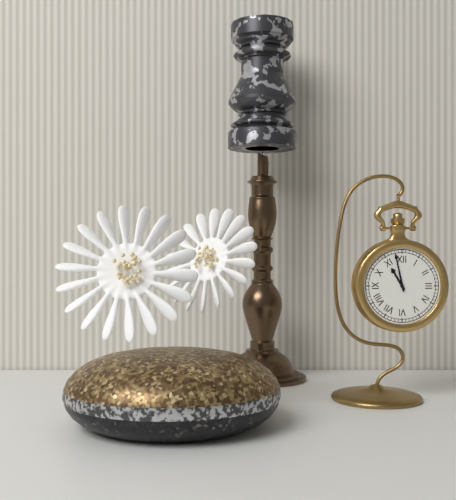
10:58
